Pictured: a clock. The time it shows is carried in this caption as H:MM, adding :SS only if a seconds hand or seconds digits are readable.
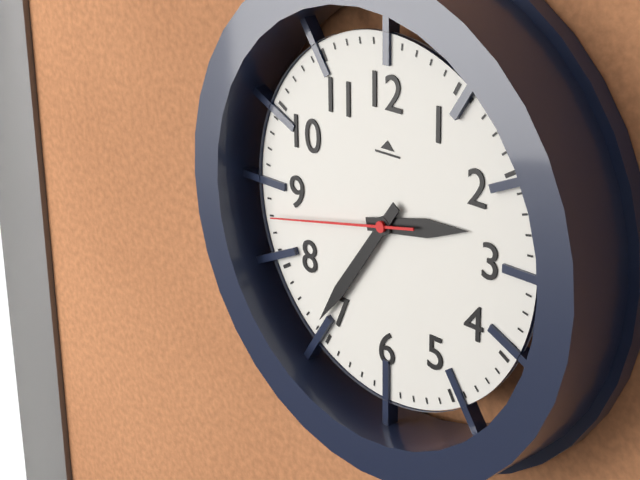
2:36:43
